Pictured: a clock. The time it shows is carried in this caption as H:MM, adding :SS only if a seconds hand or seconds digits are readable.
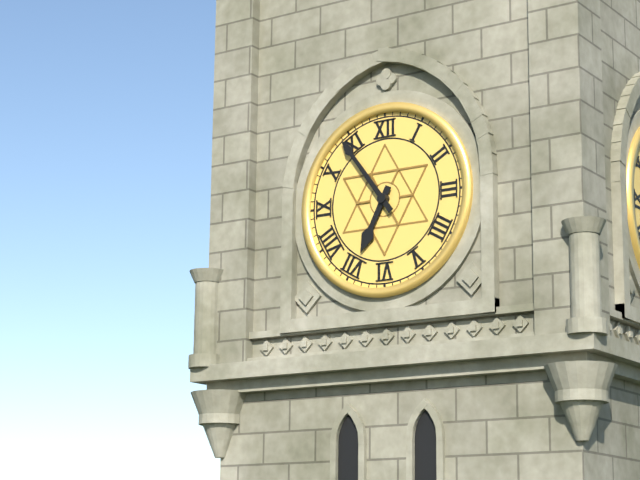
6:54
